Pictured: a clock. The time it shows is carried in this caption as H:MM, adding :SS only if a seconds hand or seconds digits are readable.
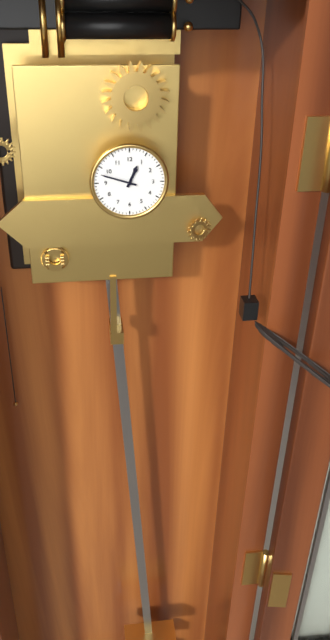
12:48
